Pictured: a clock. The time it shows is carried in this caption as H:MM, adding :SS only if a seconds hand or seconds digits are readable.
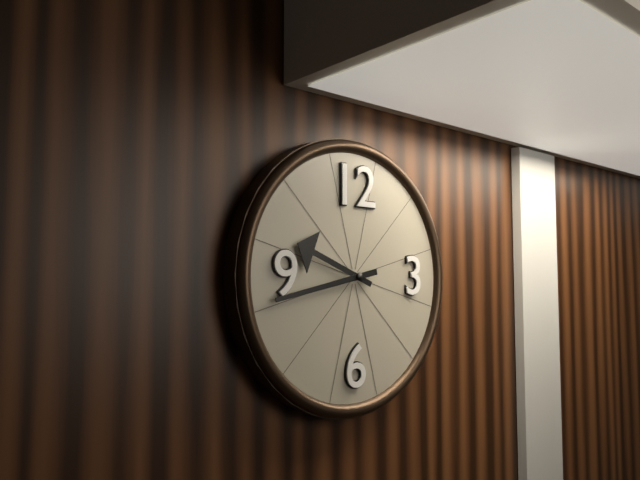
9:43
